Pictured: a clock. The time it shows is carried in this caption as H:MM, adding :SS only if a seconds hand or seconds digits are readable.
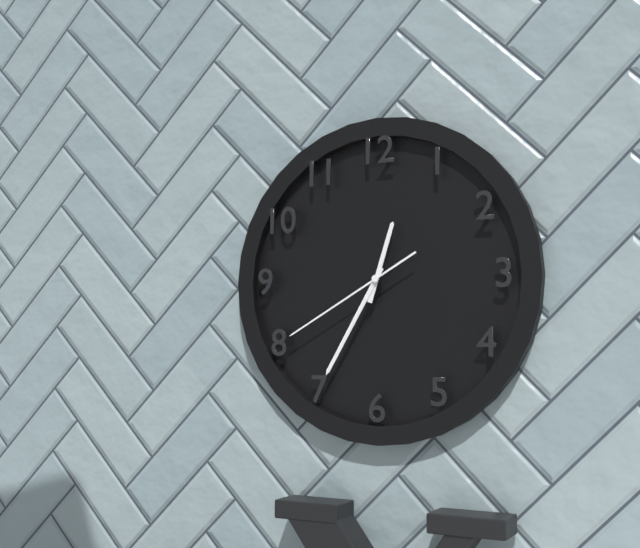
12:35:40
